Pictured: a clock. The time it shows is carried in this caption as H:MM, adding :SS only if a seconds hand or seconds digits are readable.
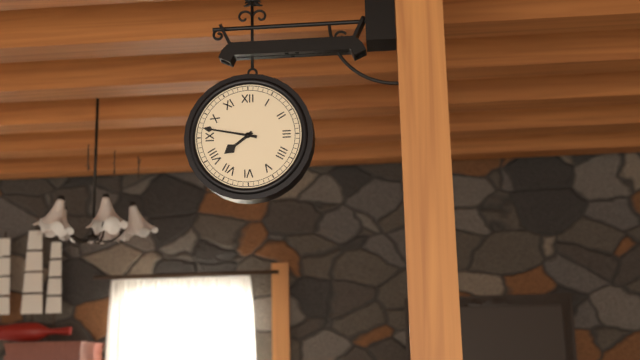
7:47
